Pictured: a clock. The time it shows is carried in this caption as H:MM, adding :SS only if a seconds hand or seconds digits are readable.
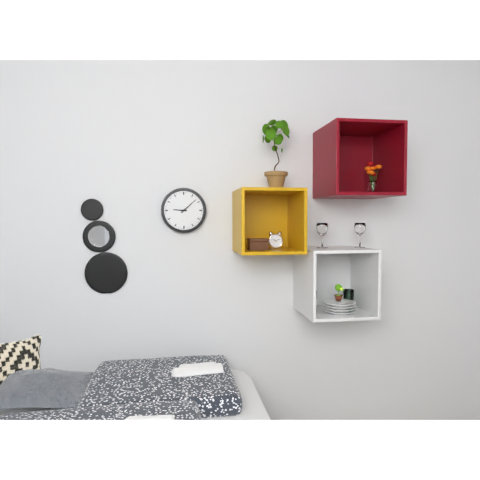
9:08
